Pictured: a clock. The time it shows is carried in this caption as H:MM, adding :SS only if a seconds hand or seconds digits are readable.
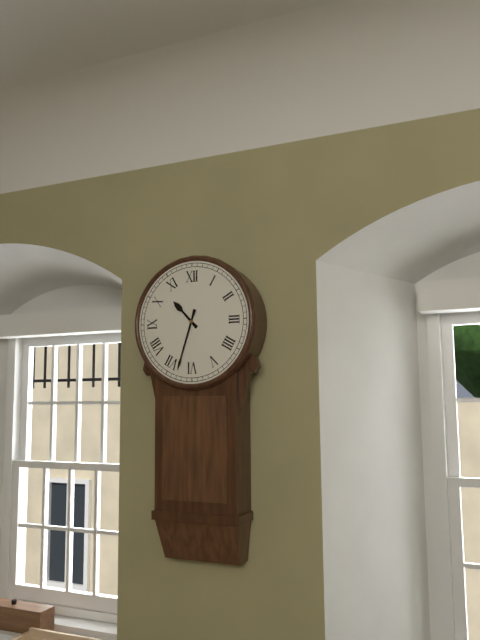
10:33
